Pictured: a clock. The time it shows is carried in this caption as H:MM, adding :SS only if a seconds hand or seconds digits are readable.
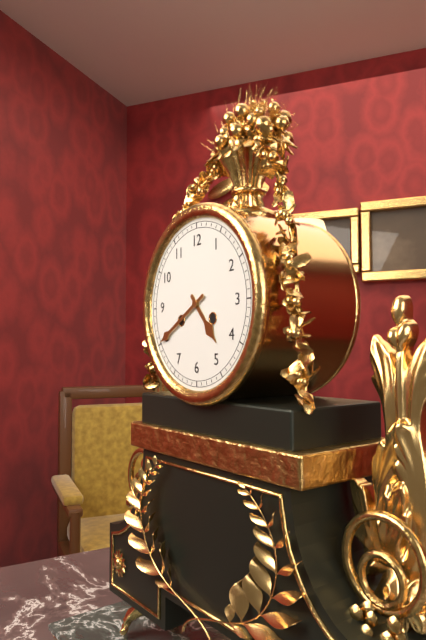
4:40
